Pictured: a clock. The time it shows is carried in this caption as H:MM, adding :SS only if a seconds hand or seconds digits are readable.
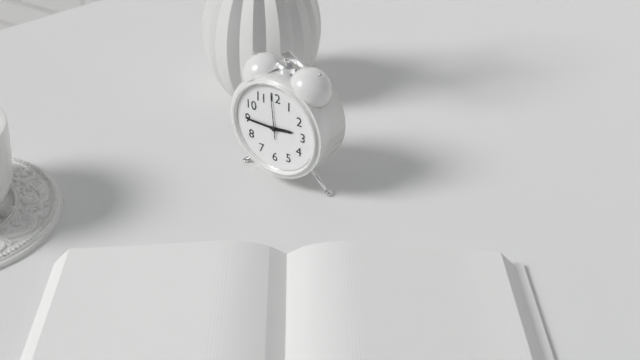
2:45
